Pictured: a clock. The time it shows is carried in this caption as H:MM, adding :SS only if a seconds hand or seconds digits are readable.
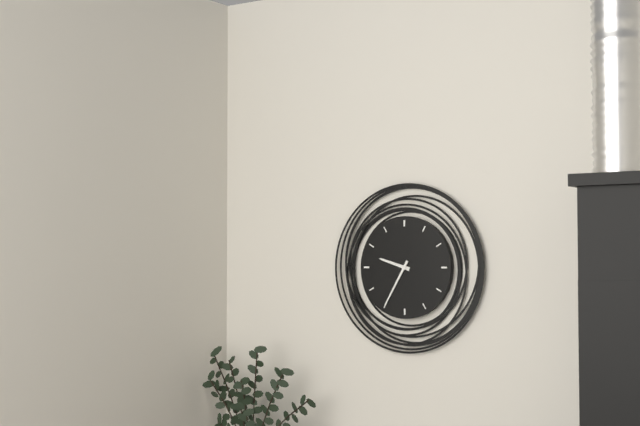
9:35
